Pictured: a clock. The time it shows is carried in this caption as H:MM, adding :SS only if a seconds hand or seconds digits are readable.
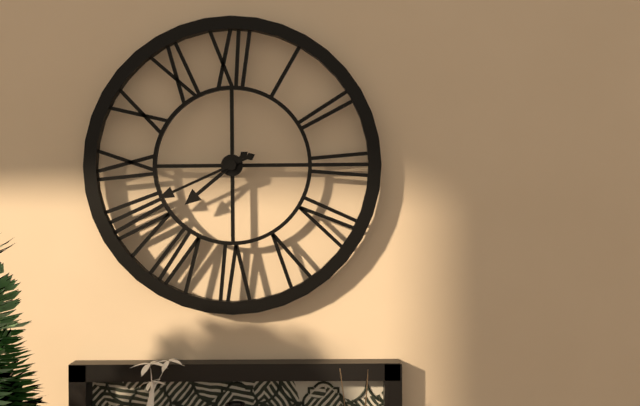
7:41
